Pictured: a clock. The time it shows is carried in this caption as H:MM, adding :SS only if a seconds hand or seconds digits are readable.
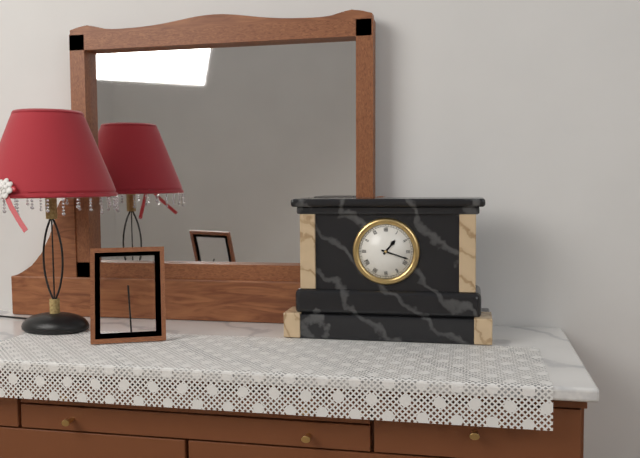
1:18
